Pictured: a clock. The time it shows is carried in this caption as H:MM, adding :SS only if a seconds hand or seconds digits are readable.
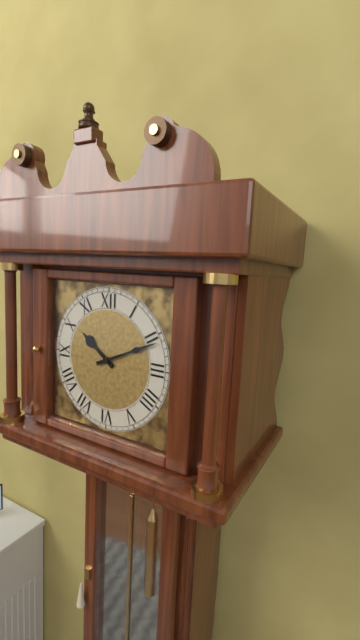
10:11
